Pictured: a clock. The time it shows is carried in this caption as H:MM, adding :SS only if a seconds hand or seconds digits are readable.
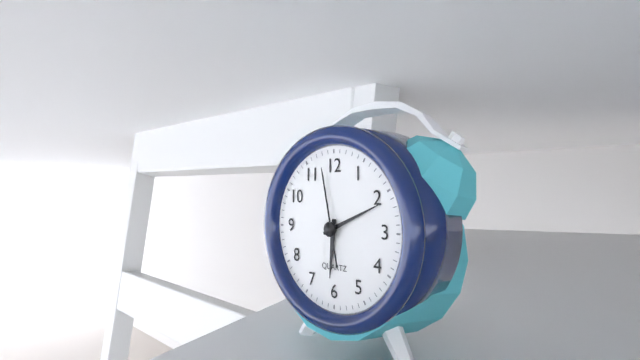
6:11:58
